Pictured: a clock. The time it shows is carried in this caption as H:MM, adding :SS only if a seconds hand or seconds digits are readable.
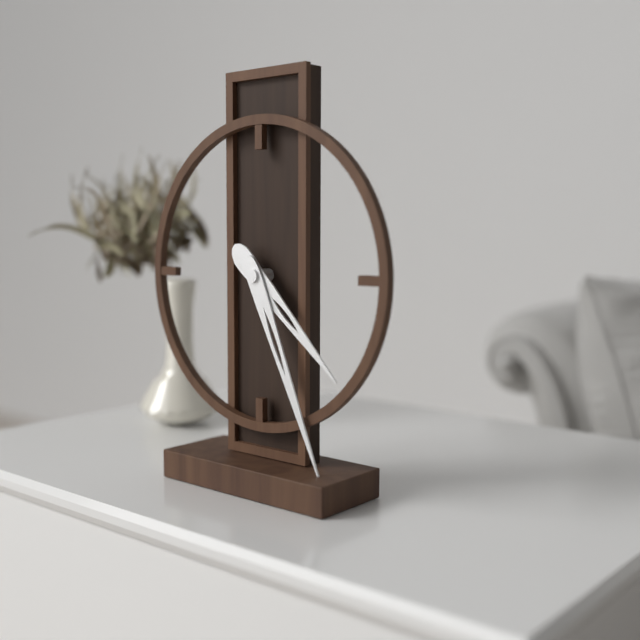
4:26
